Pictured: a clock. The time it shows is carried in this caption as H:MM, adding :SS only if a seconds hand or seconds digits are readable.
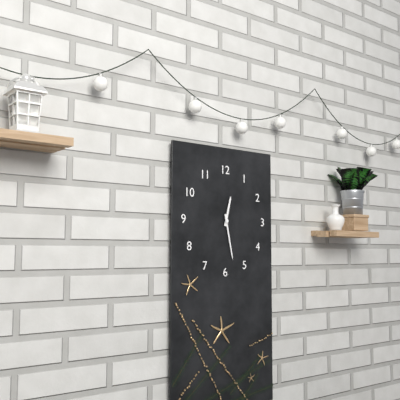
12:28
